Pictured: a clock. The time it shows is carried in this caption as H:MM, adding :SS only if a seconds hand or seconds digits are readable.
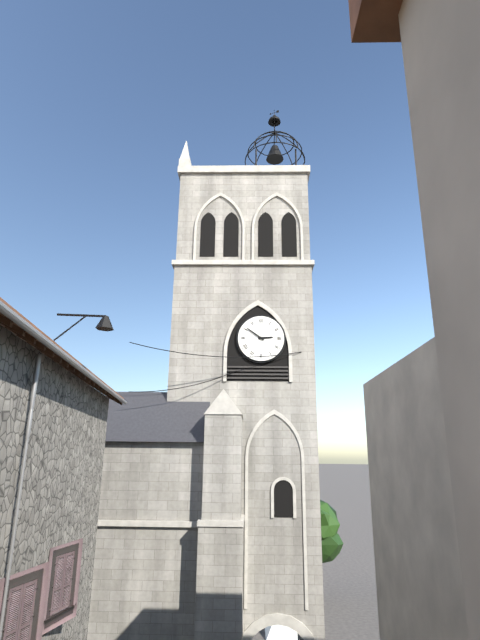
2:51
